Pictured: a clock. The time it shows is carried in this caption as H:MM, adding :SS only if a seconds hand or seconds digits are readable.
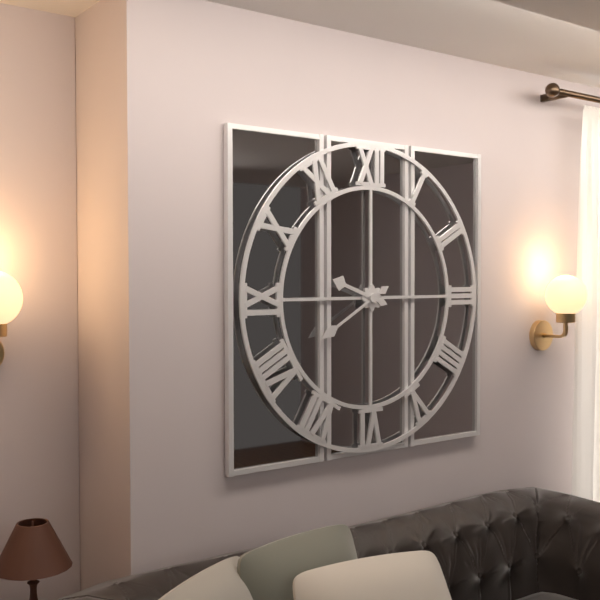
9:40
